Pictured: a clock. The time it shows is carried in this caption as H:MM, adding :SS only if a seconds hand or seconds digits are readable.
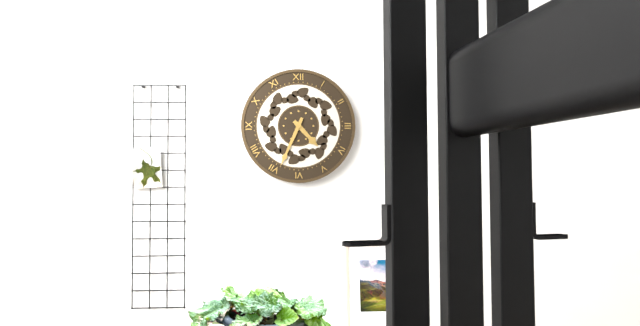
4:34
